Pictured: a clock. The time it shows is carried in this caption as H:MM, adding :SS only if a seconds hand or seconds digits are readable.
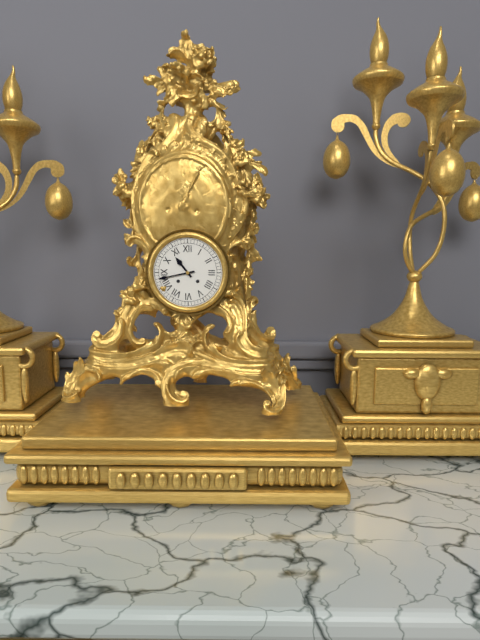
10:43
